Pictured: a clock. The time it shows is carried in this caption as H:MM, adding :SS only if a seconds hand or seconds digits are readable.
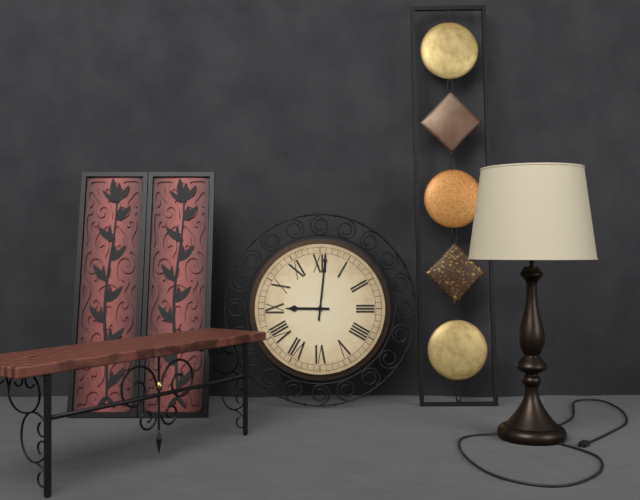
9:01
